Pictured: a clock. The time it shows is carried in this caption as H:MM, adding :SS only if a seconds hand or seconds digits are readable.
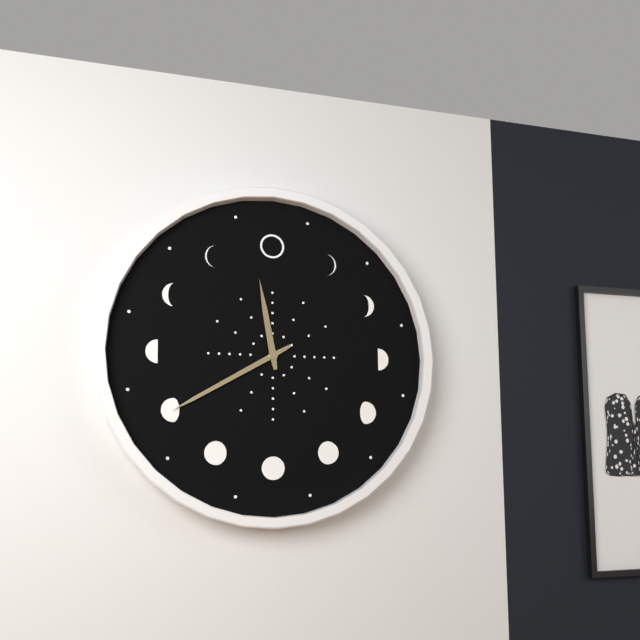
11:40
